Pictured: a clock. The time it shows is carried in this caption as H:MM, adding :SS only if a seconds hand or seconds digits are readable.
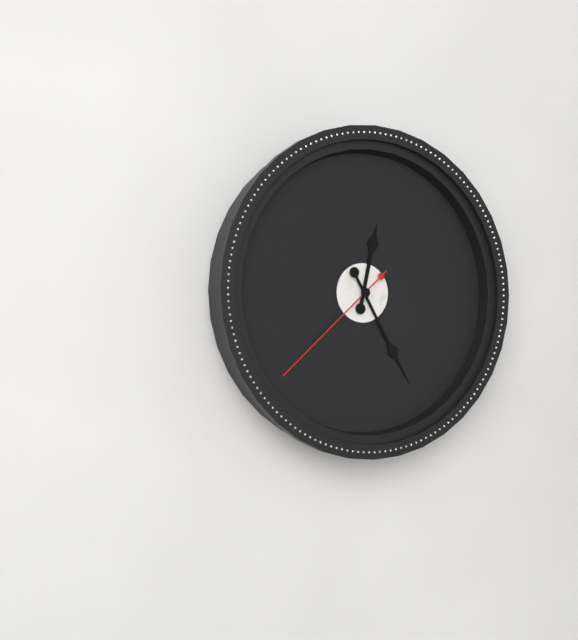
12:25:38
